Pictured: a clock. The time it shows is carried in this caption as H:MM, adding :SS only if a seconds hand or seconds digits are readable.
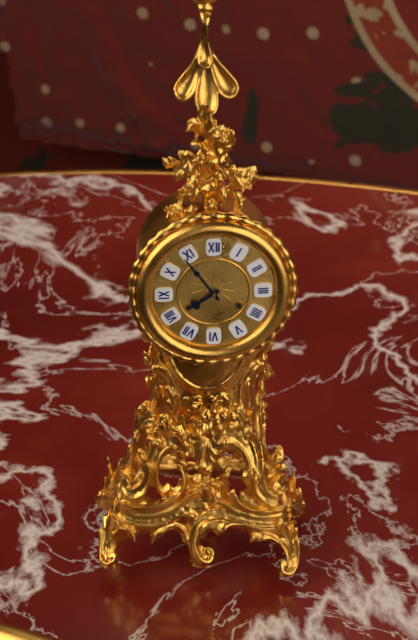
7:54
